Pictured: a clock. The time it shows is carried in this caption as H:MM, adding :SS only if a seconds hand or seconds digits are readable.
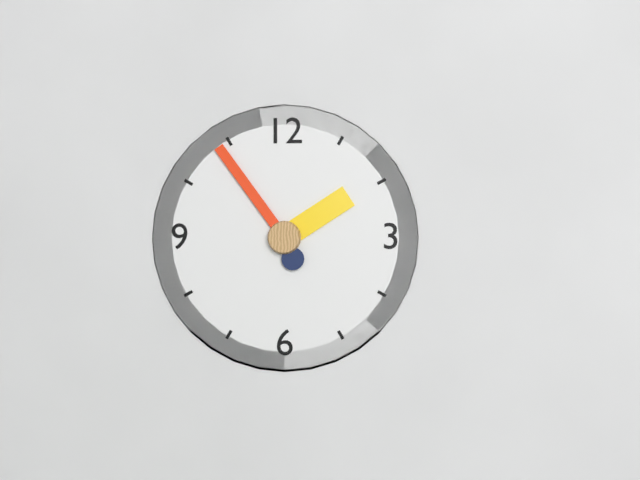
1:54
